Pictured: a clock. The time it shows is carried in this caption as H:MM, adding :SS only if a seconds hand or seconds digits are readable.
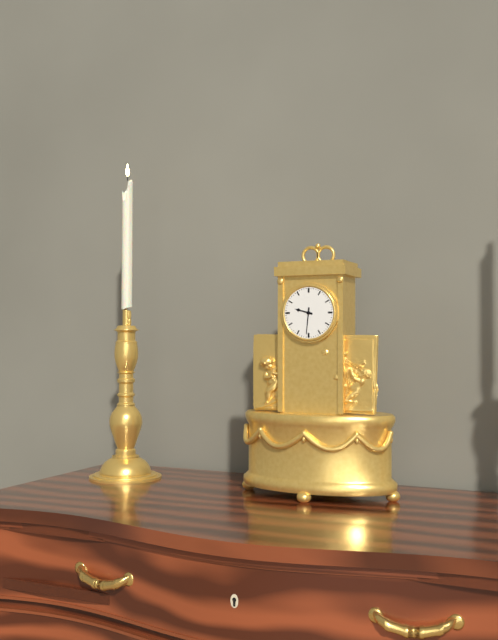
9:31
